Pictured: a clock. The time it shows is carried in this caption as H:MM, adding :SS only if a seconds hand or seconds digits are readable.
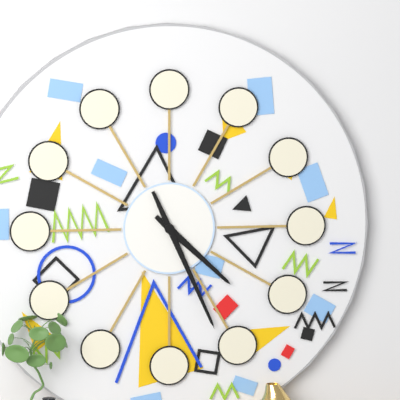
4:26
